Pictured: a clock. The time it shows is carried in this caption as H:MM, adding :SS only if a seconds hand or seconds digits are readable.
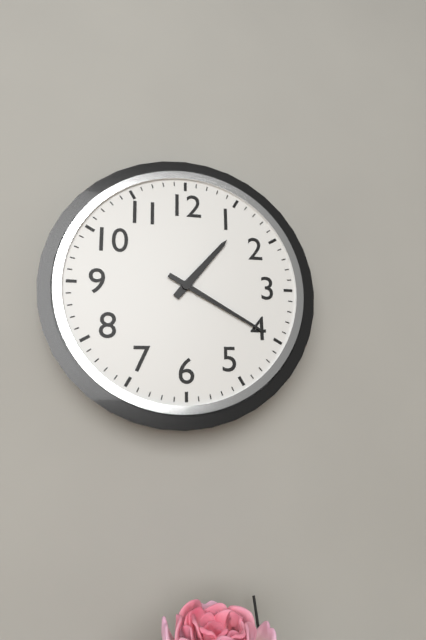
1:20
